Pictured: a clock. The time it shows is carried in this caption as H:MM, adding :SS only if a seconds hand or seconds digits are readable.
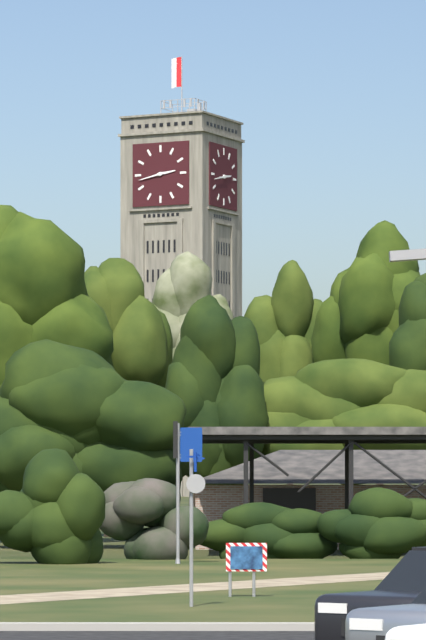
2:43
